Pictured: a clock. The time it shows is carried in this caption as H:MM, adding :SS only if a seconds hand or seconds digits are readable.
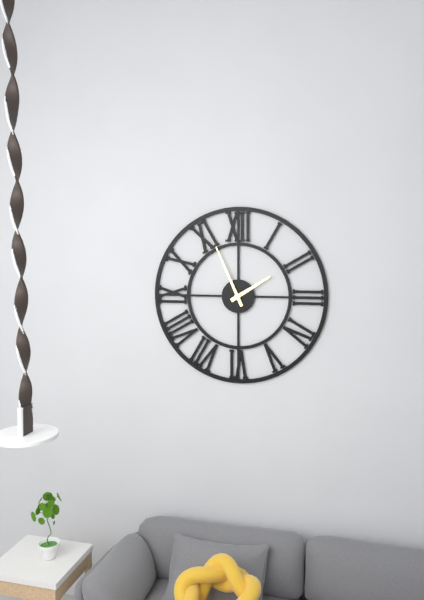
1:56
